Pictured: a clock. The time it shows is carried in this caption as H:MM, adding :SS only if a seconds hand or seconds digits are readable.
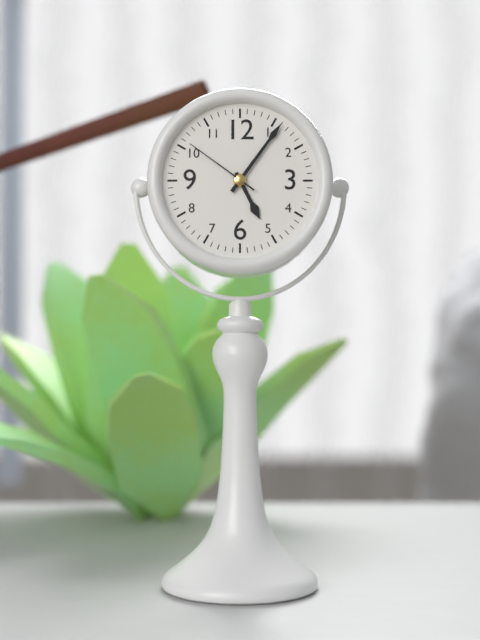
5:06:51
